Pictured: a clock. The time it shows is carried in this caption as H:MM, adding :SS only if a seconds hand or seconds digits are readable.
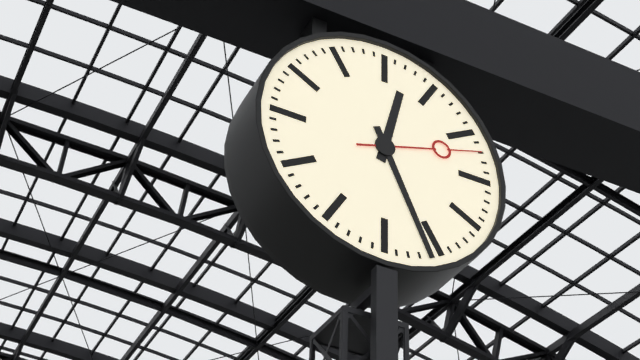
12:26:12
